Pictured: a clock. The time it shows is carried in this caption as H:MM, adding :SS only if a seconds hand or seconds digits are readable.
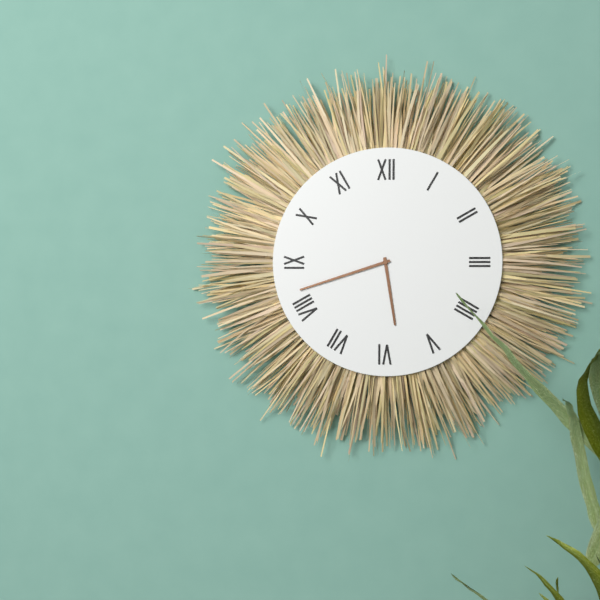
5:42
